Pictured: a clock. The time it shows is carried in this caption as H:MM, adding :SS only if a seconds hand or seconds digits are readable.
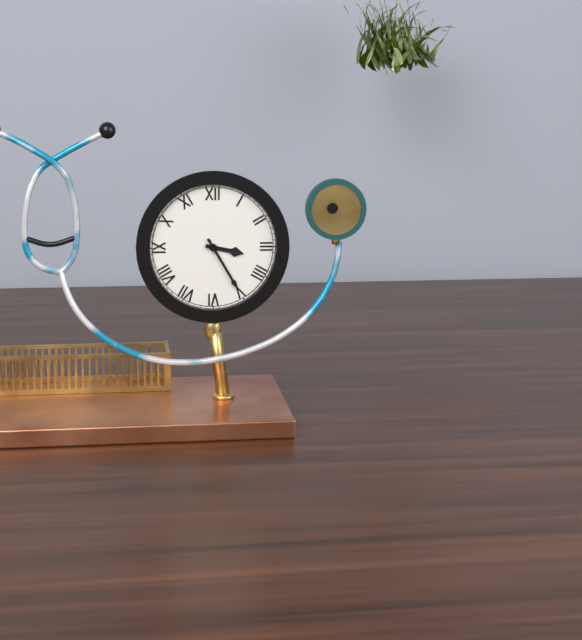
3:25
